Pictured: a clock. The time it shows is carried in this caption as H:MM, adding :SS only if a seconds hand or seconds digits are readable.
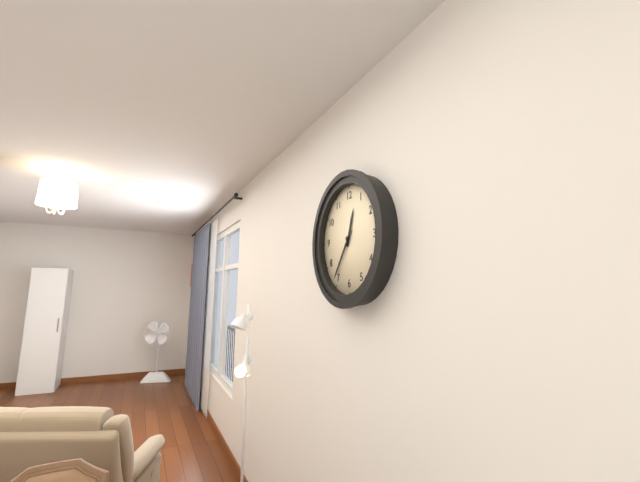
12:36
